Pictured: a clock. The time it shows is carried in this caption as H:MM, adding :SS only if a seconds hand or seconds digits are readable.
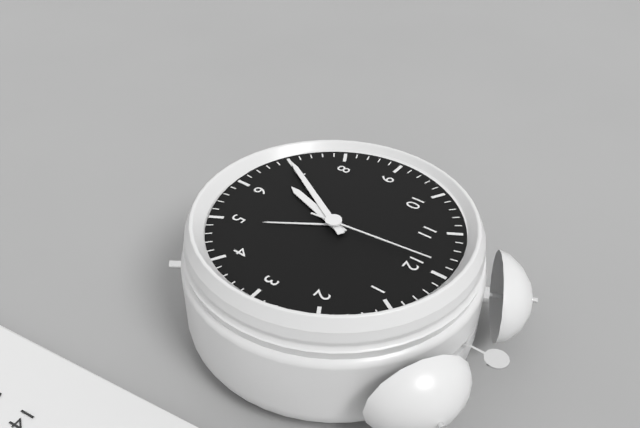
6:35:59
